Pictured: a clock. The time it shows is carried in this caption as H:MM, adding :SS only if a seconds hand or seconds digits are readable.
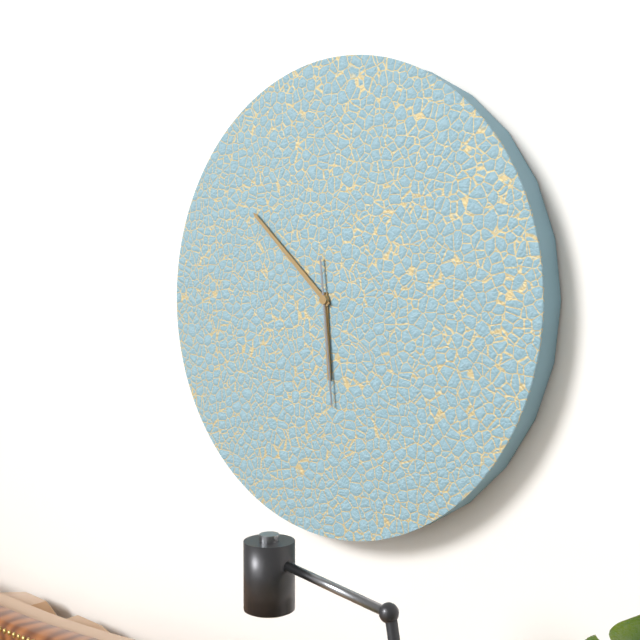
5:52:29
